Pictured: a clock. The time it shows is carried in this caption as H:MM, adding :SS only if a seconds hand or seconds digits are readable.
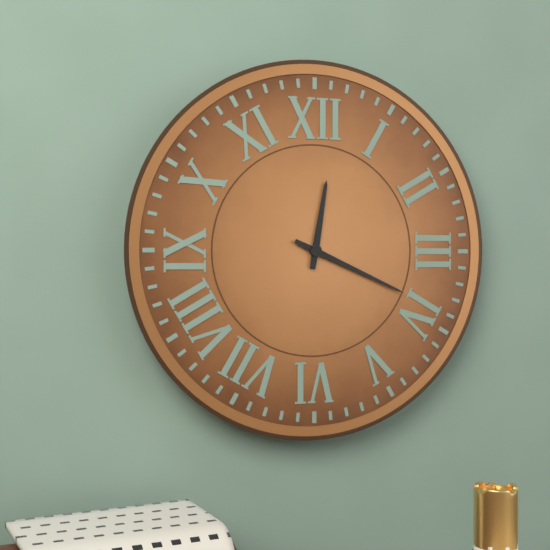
12:19
